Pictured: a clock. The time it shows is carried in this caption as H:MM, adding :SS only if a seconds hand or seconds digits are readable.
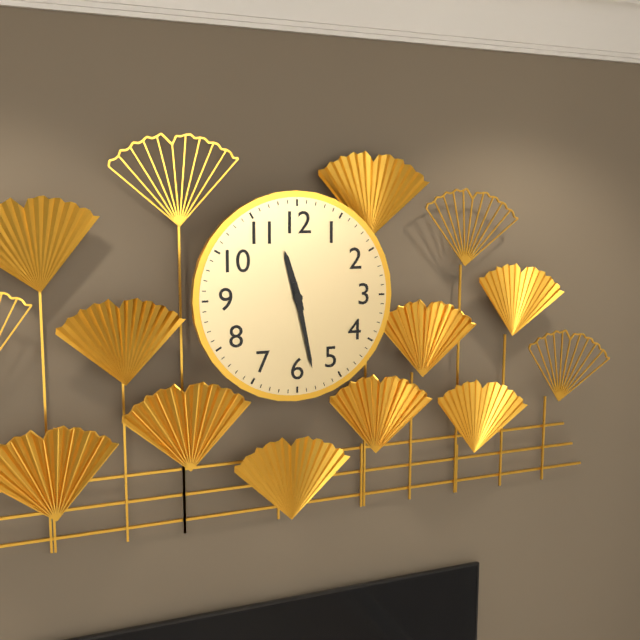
11:28
